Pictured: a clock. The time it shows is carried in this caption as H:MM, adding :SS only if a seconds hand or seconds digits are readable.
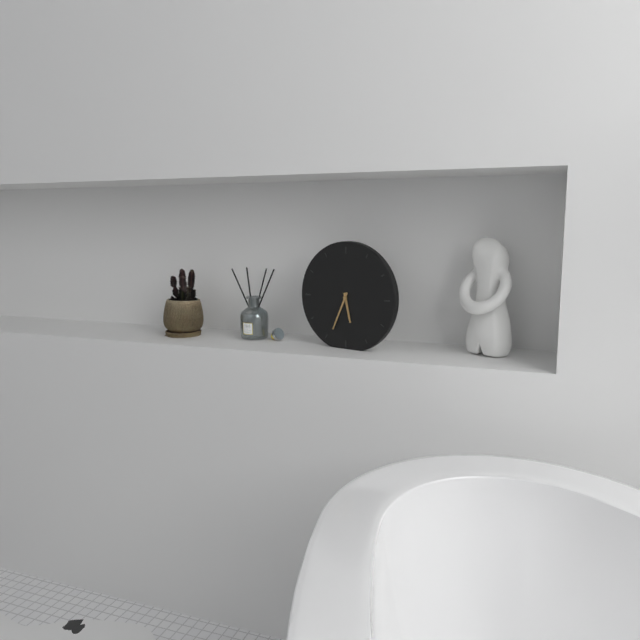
5:34
